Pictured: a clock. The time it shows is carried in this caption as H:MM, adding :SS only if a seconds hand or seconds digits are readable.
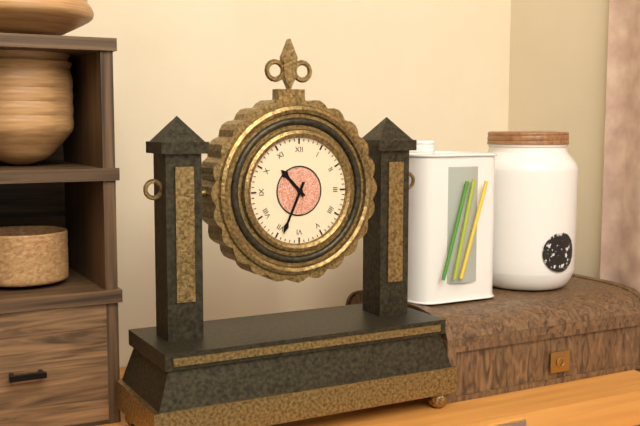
10:34
